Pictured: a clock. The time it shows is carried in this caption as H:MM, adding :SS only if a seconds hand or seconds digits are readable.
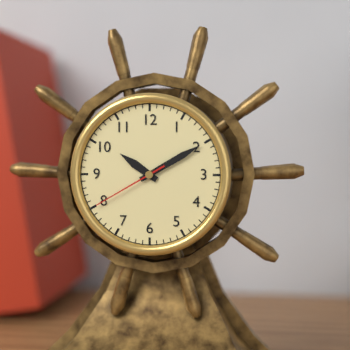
10:10:40
